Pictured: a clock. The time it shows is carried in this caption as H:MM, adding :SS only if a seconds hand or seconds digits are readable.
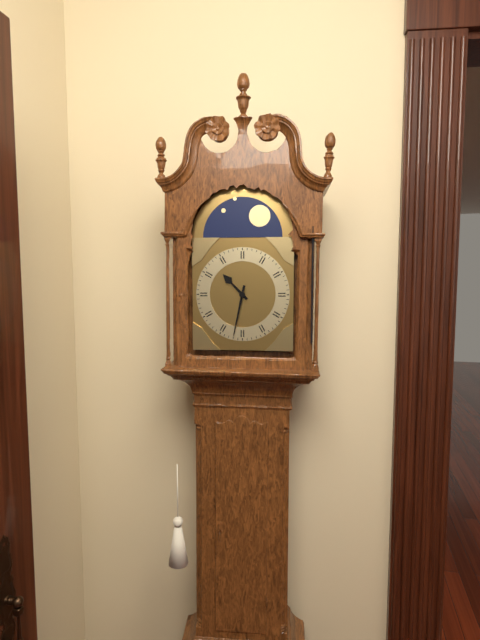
10:32
